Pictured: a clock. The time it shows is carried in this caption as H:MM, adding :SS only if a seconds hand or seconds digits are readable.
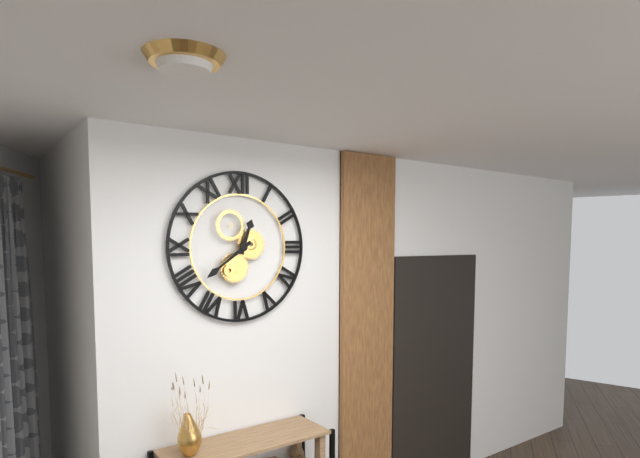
12:39
